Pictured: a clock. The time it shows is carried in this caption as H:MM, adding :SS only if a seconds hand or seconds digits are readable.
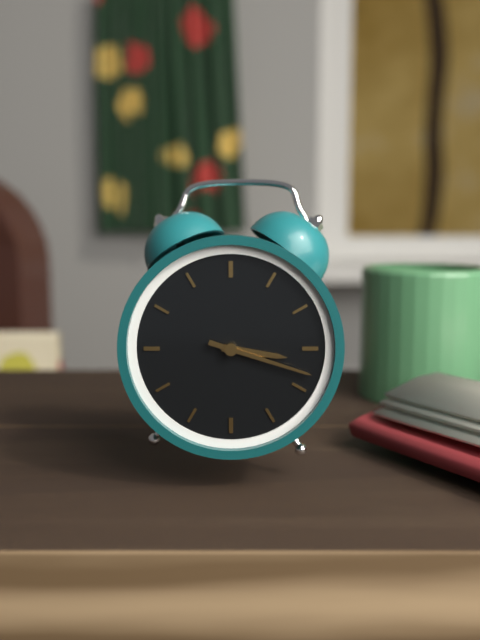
3:18
